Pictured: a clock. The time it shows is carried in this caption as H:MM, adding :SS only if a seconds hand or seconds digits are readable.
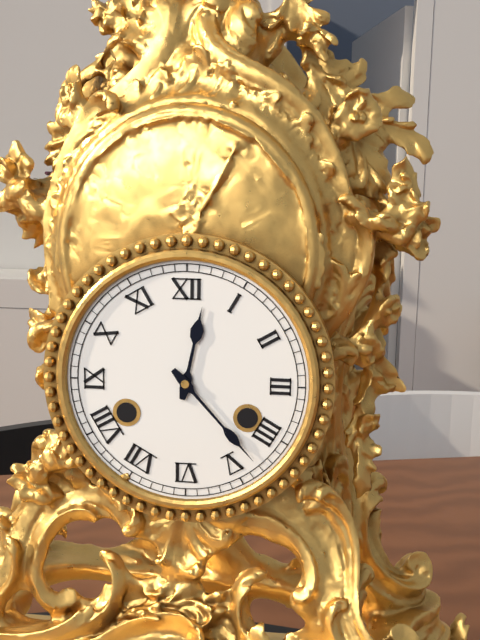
12:23
